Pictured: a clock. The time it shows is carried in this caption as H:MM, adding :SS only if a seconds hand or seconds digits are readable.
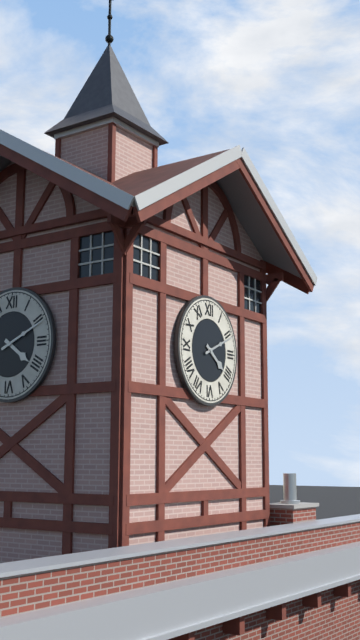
4:11
